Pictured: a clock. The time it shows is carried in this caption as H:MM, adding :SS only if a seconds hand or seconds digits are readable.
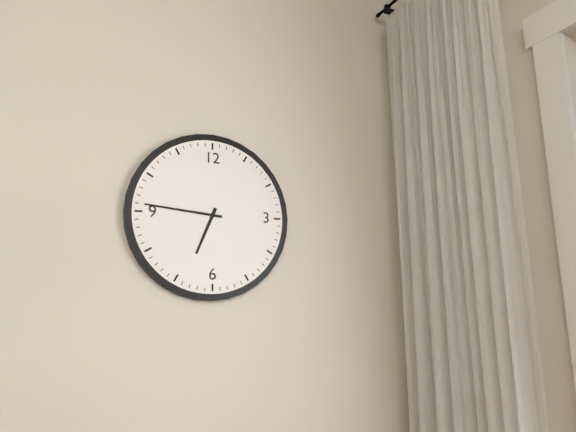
6:46
